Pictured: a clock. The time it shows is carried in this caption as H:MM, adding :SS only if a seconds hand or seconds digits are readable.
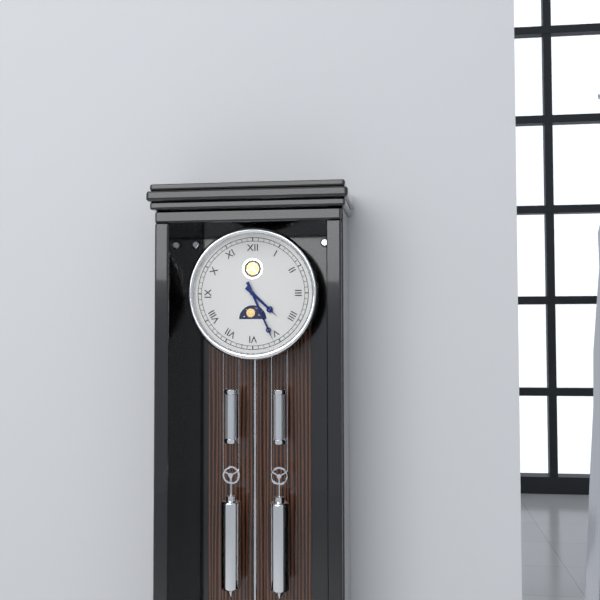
4:26
